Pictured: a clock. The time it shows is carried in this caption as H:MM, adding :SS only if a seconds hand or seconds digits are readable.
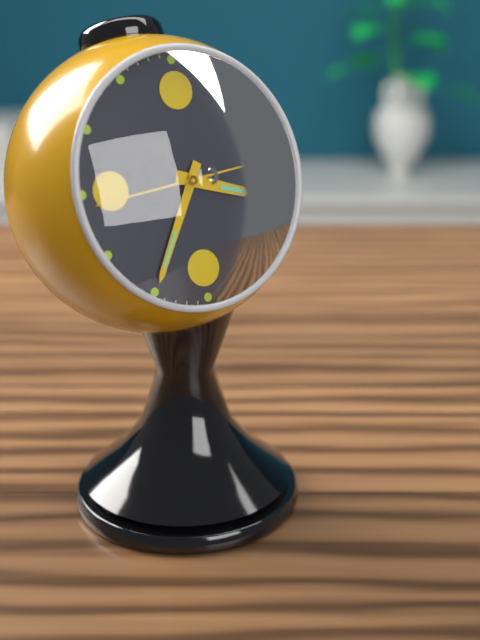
3:35:44
